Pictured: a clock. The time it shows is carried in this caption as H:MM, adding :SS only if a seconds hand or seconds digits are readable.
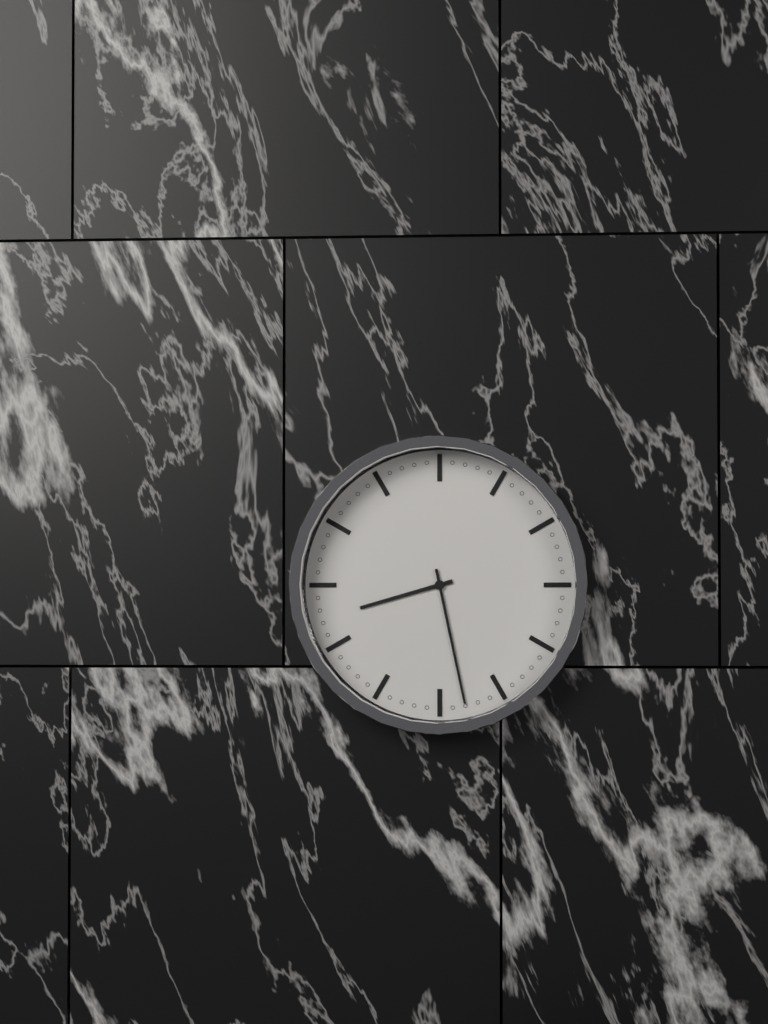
8:28
